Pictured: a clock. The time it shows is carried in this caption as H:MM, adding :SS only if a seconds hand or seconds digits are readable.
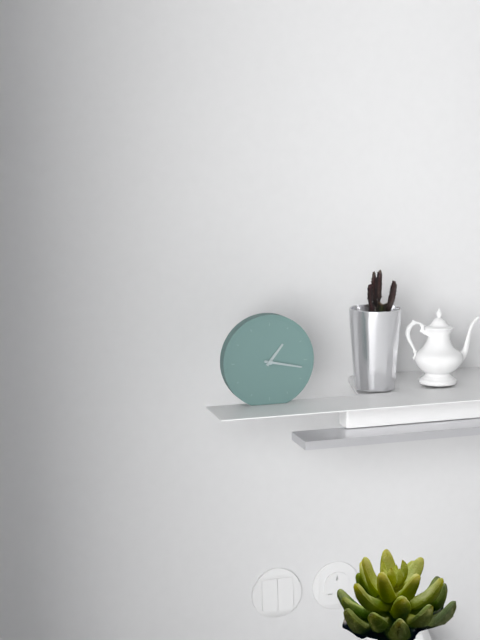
1:17
